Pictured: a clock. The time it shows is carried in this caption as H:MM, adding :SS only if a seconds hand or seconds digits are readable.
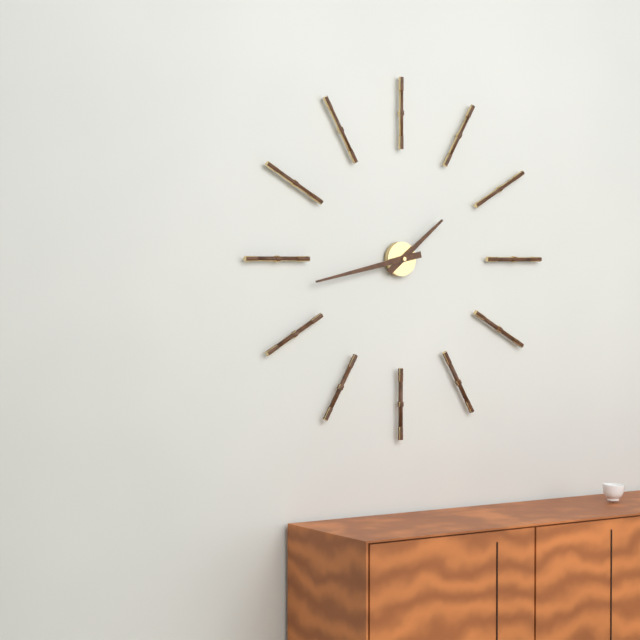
1:43
